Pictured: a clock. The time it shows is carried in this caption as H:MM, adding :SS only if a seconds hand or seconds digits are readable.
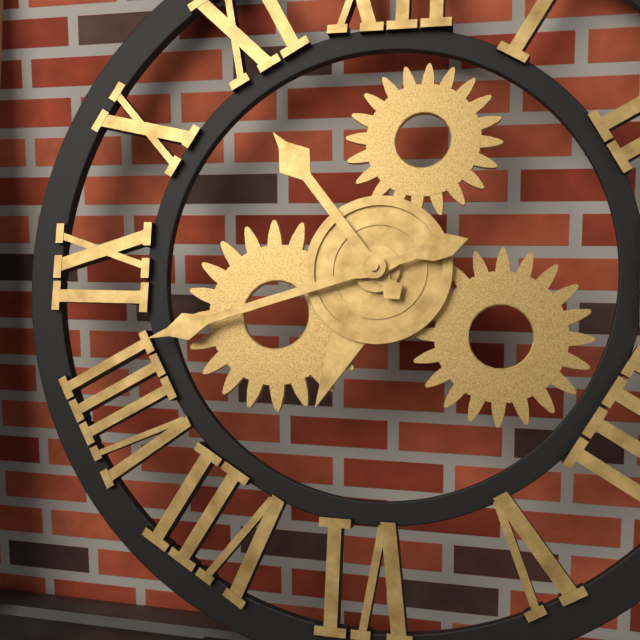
10:42
